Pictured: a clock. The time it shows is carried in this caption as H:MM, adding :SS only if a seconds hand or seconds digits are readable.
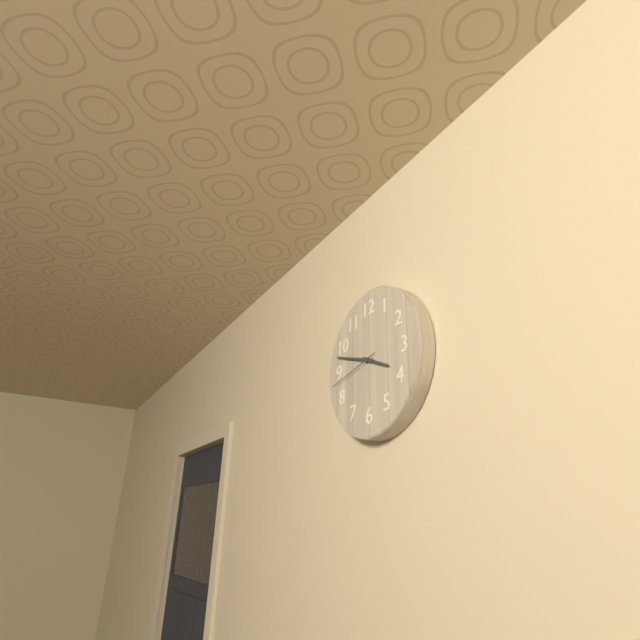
3:48:43
